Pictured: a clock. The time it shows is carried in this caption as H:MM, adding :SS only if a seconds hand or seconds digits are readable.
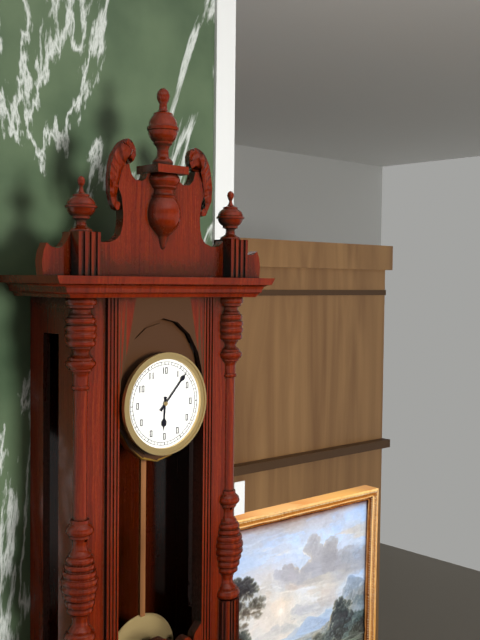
6:07
